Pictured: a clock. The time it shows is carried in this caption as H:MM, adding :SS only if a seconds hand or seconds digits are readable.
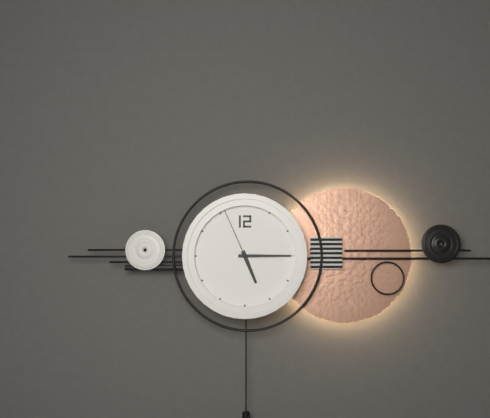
5:15:56
